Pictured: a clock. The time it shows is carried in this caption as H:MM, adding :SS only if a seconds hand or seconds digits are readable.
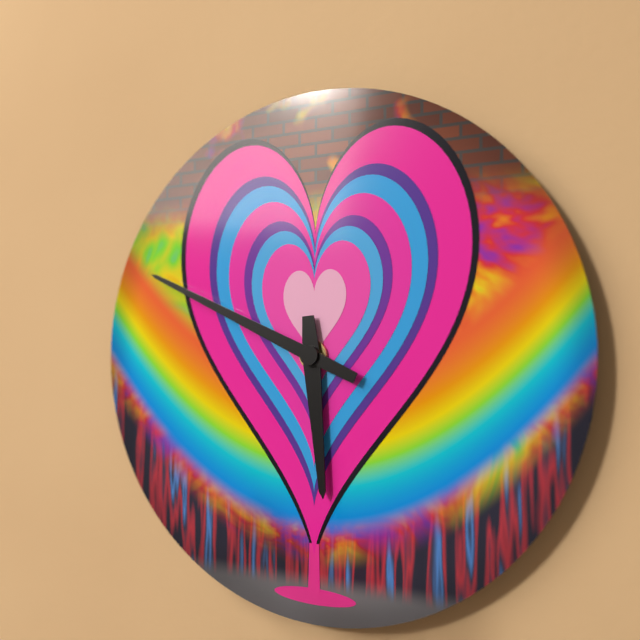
5:49
